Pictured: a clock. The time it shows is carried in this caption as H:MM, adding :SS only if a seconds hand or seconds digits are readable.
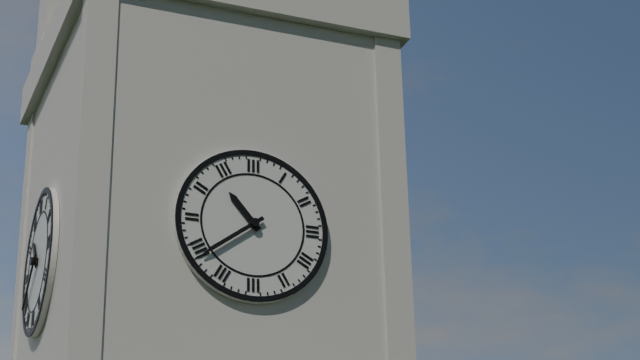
10:39
